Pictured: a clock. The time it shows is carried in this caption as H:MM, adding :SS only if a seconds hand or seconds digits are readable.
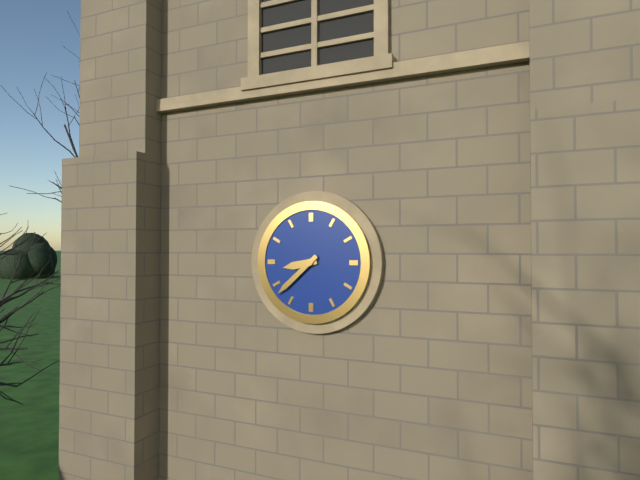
8:38
